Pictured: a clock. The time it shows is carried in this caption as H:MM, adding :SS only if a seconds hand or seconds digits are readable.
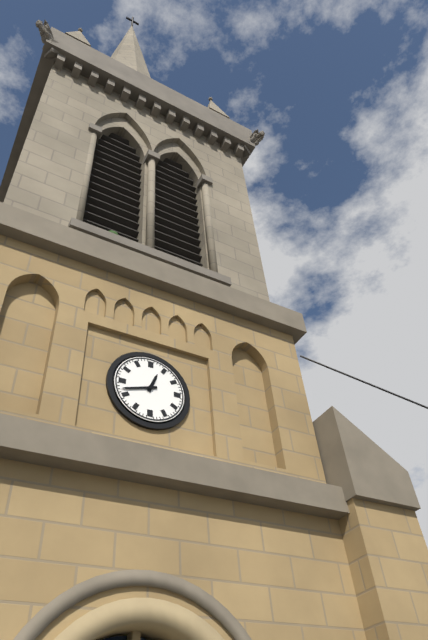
12:42
